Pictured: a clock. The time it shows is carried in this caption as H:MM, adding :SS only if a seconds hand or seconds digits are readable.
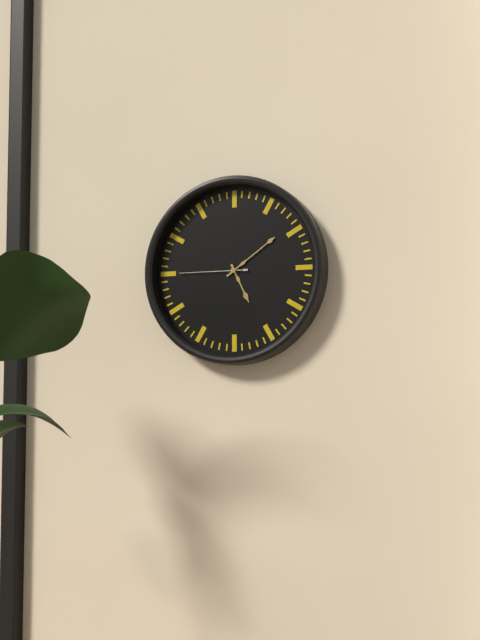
5:09:45
